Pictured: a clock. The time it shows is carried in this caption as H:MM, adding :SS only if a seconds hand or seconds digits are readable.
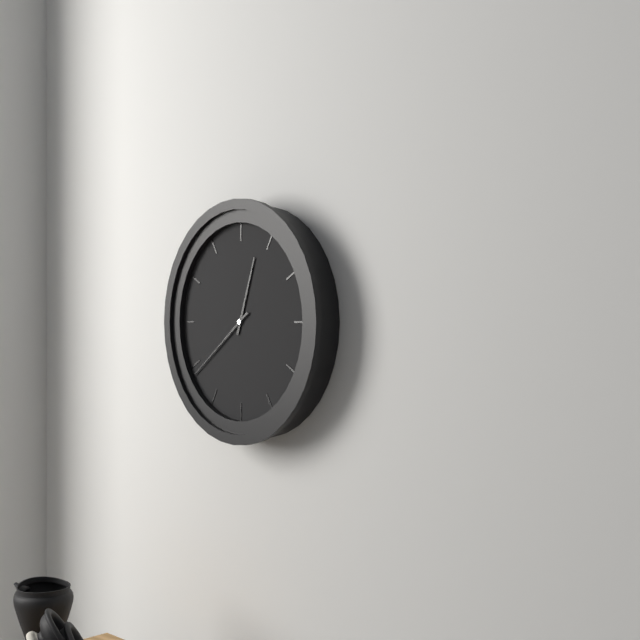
12:39
